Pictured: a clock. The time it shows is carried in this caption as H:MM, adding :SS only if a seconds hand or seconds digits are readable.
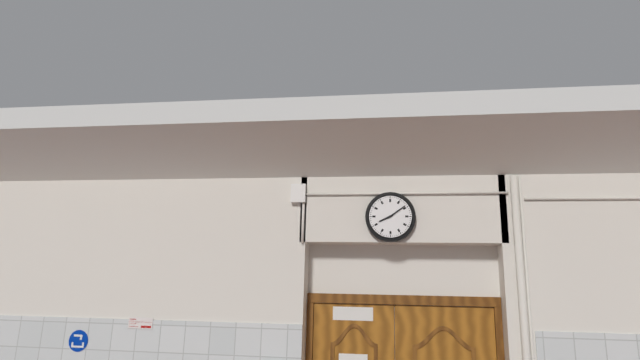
8:09
